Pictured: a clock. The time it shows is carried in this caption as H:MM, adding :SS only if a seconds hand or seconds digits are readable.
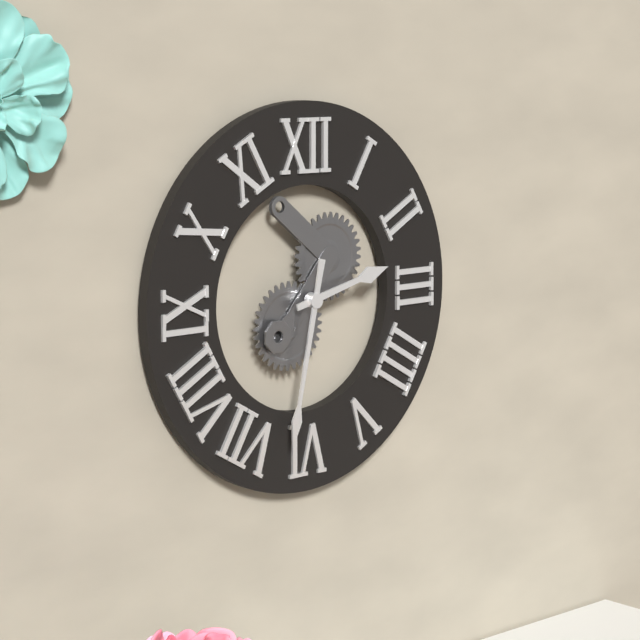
2:32
